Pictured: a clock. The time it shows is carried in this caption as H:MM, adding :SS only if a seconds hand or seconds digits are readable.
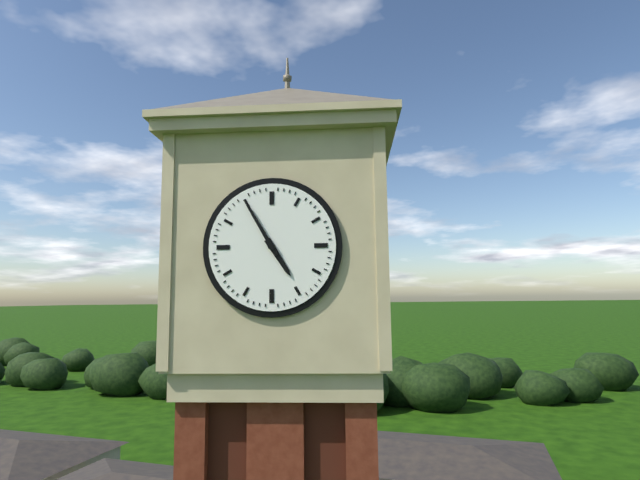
4:55
